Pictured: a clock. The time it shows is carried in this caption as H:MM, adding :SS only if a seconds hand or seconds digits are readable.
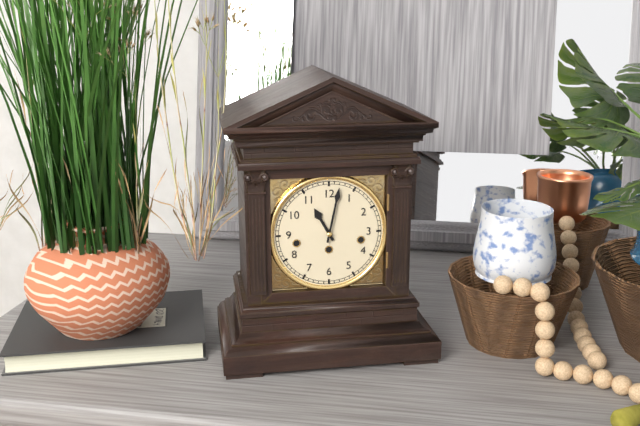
11:02
